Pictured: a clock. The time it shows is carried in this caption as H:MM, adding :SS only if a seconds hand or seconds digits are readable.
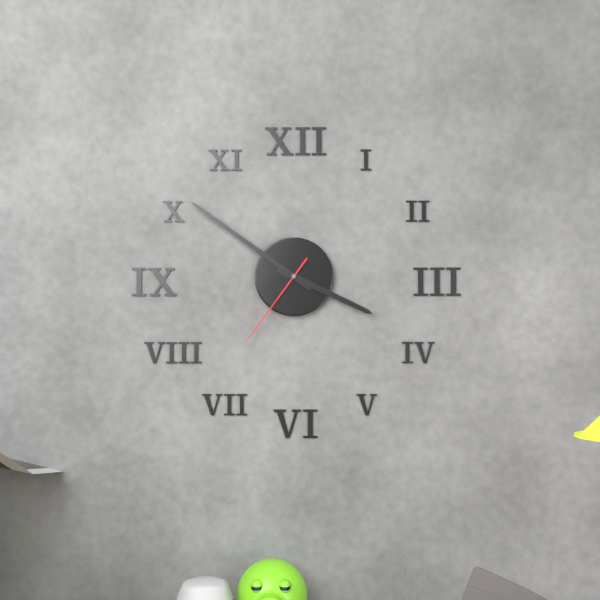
3:51:36
